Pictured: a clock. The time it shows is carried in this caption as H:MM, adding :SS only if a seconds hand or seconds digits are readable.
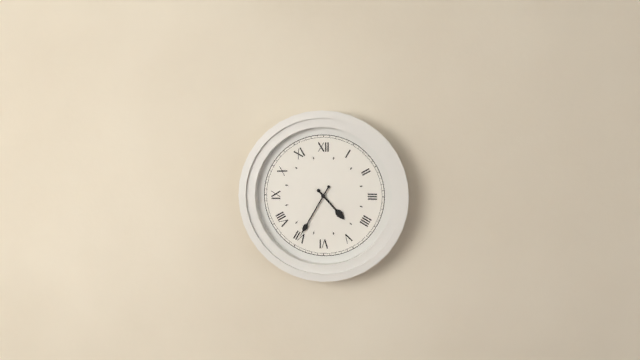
4:35
